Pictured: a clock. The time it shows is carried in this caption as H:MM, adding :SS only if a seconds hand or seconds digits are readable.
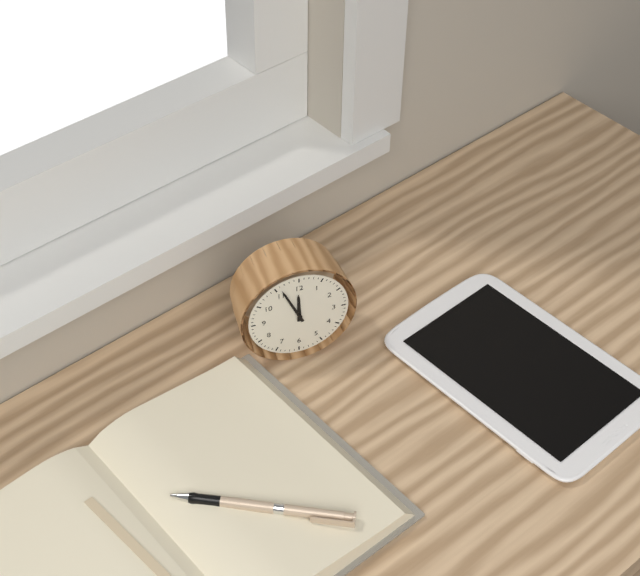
11:56
